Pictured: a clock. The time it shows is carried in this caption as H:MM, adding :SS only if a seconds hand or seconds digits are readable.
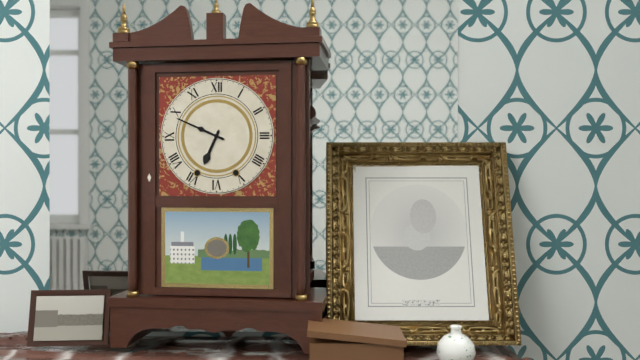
6:49
